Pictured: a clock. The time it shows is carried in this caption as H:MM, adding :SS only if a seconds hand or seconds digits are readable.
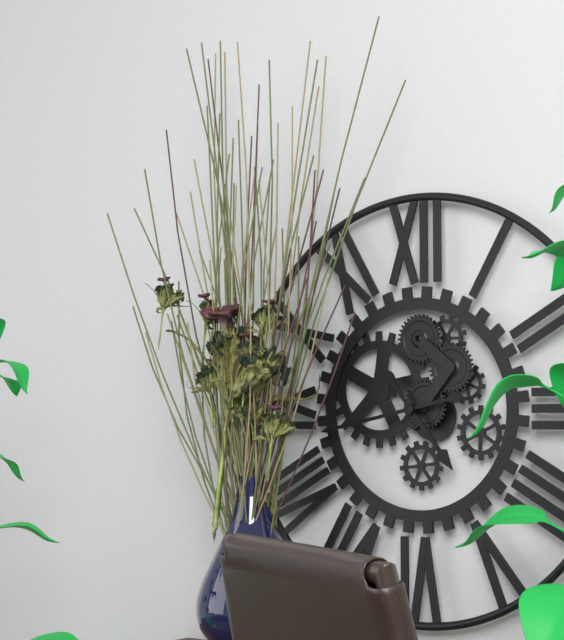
4:43
